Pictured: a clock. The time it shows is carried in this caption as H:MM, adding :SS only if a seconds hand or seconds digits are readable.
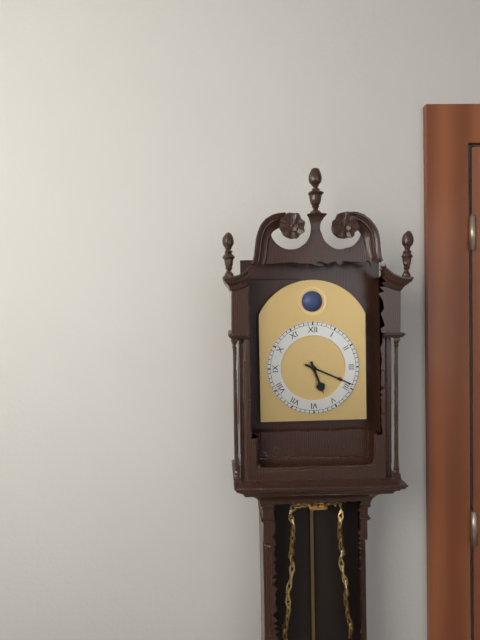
5:19
